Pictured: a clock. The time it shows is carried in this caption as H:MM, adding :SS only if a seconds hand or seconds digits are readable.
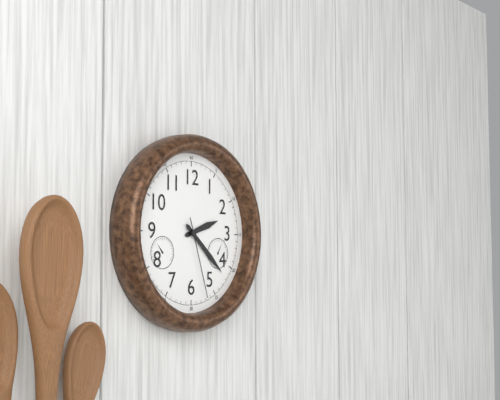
2:22:27
